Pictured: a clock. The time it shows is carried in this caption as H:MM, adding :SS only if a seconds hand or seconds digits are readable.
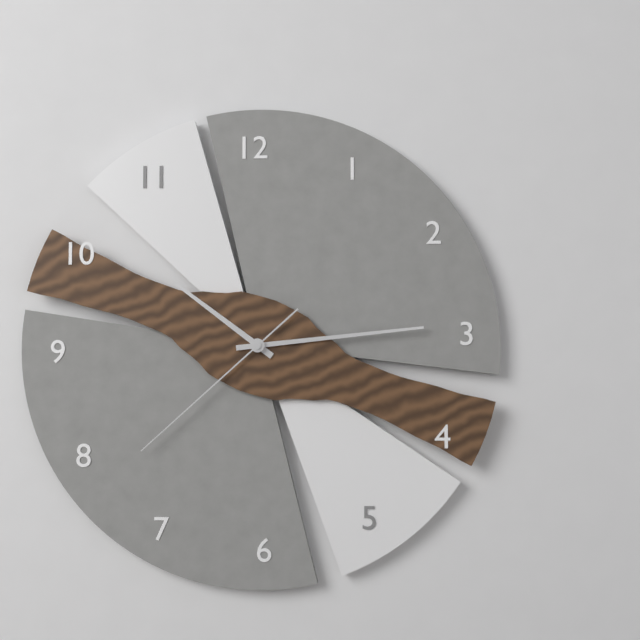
10:14:38
